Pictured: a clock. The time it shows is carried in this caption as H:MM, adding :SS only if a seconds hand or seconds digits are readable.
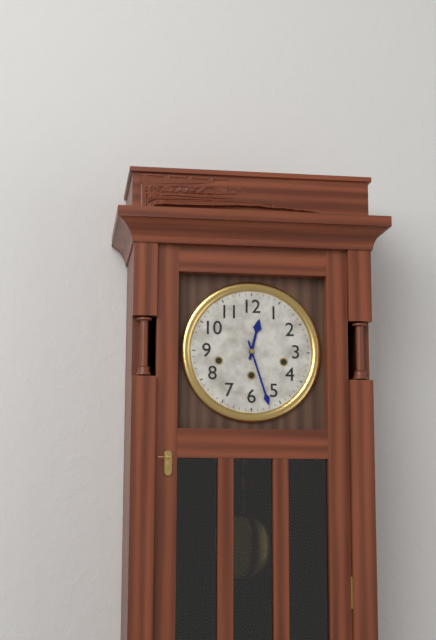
12:27
